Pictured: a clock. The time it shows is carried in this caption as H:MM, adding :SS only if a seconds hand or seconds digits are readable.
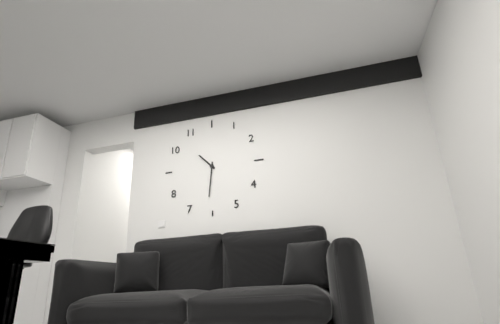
10:31
